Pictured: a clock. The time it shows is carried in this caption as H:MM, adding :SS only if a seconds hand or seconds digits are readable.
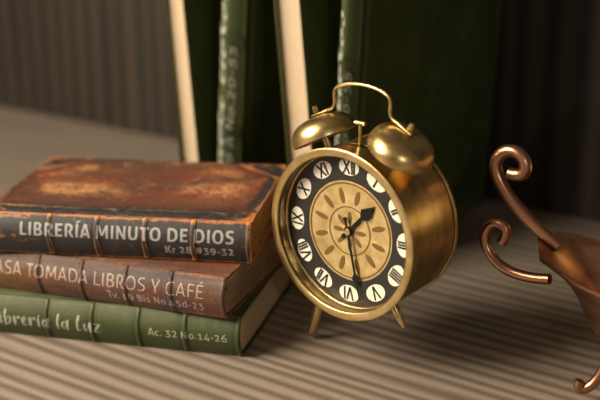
1:28
